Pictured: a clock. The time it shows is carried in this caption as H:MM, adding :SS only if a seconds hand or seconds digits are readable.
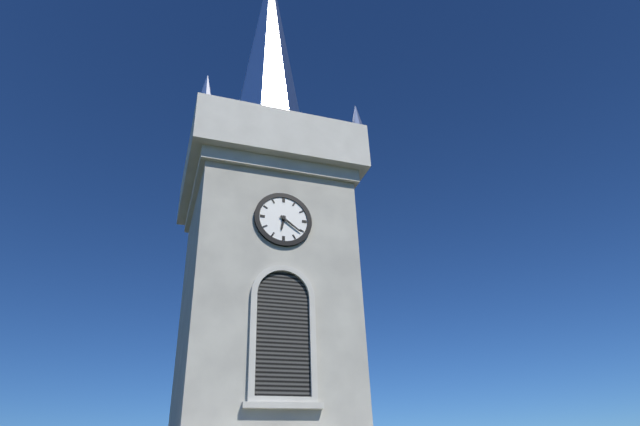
6:21
